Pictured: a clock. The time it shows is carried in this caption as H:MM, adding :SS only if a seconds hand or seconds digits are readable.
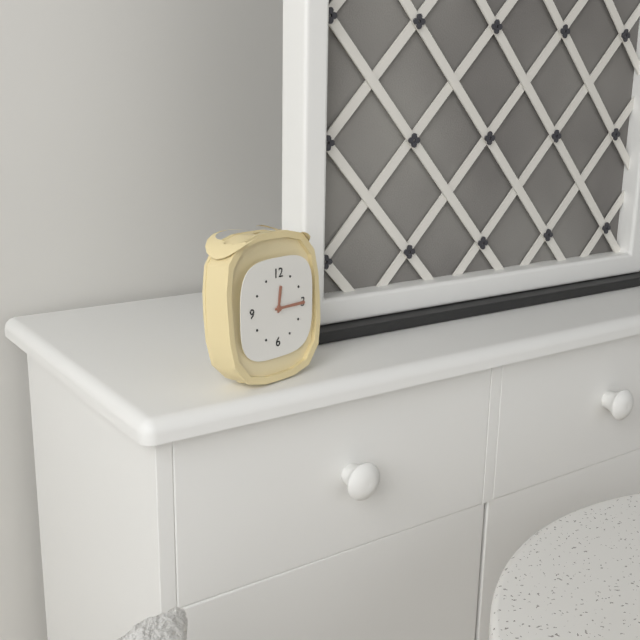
12:15
